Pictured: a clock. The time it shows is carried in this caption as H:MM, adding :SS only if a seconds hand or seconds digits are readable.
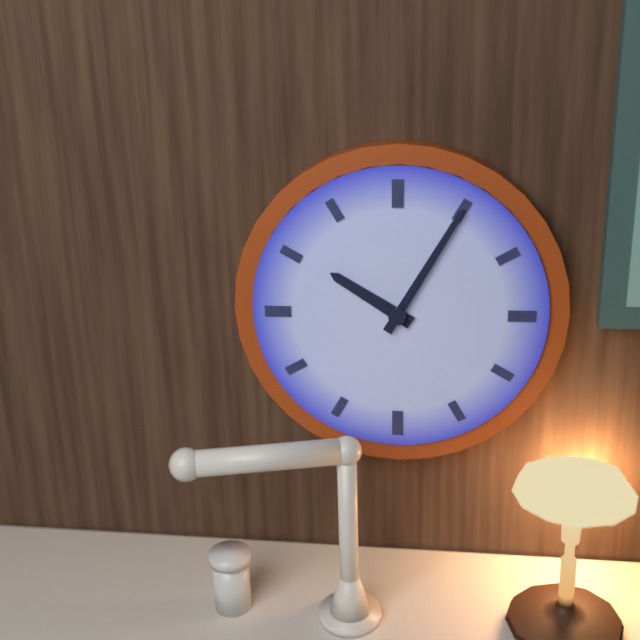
10:05
